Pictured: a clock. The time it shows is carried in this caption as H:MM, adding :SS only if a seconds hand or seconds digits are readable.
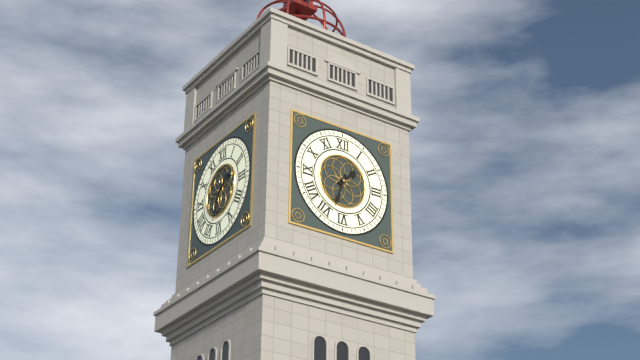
1:33
